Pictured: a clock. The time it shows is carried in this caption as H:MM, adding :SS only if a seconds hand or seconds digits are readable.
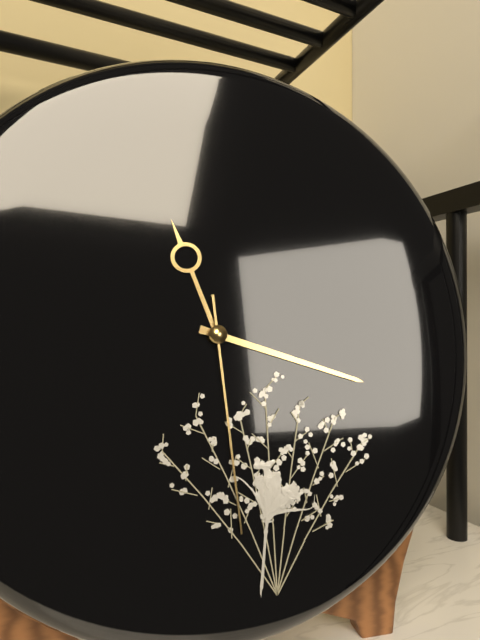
11:18:29
